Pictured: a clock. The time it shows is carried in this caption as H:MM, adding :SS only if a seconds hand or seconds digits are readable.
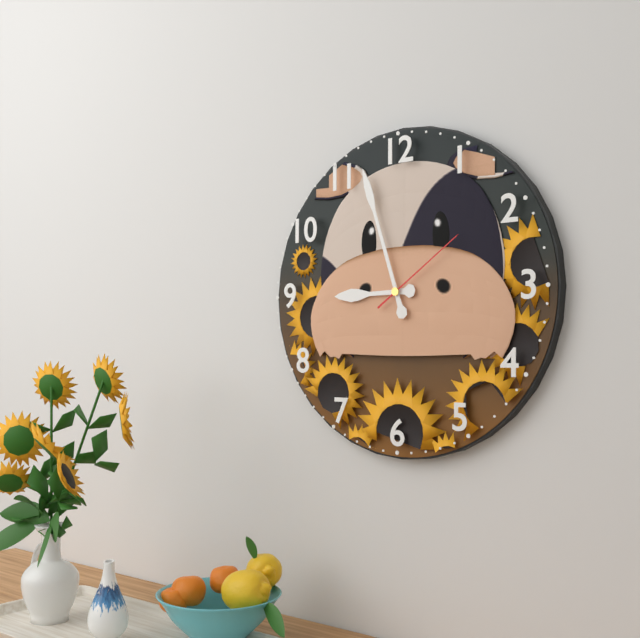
8:57:09
